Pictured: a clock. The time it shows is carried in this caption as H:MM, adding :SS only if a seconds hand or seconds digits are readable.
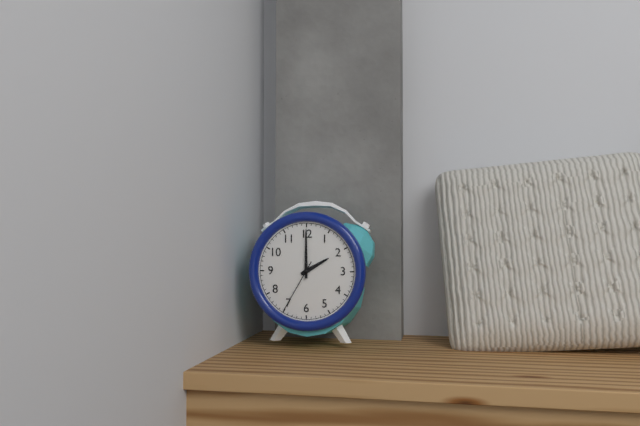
2:00:35
